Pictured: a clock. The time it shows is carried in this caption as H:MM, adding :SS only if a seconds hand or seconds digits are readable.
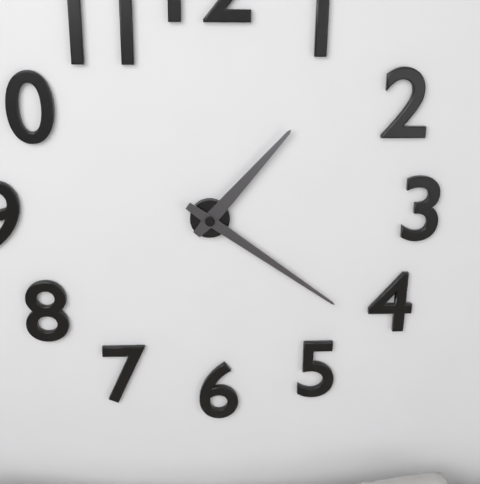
1:21
